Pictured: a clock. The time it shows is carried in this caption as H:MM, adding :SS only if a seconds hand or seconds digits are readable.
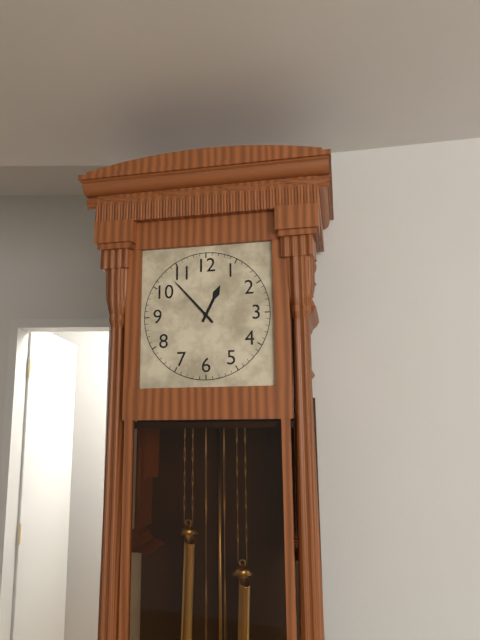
12:53
